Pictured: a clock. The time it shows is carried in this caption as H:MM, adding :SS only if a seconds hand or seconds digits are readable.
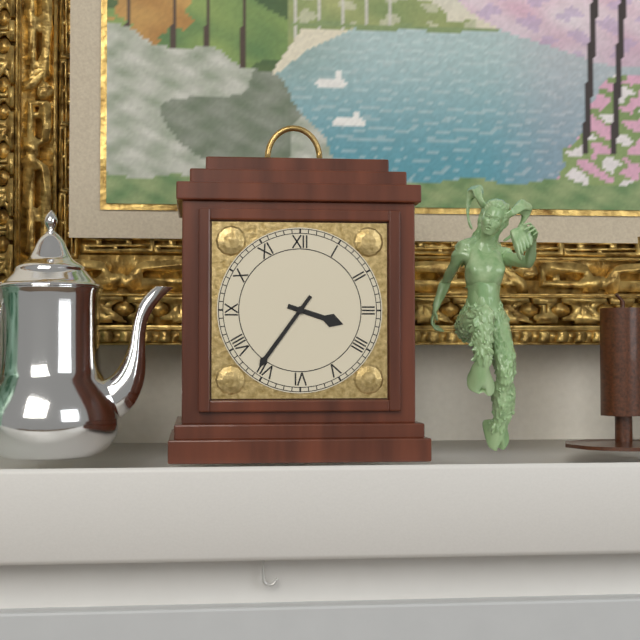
3:36
